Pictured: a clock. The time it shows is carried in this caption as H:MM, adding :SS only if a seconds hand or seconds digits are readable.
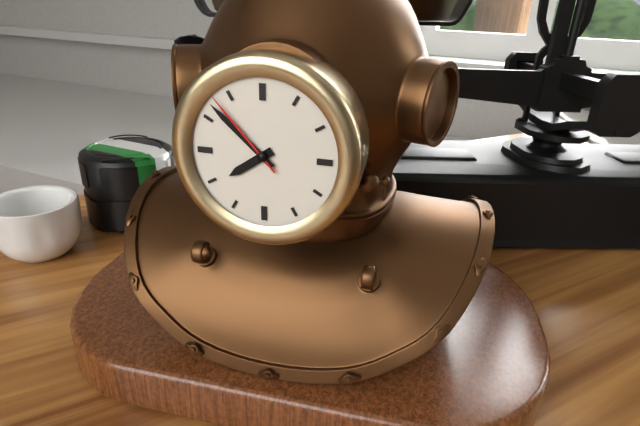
7:52:53
